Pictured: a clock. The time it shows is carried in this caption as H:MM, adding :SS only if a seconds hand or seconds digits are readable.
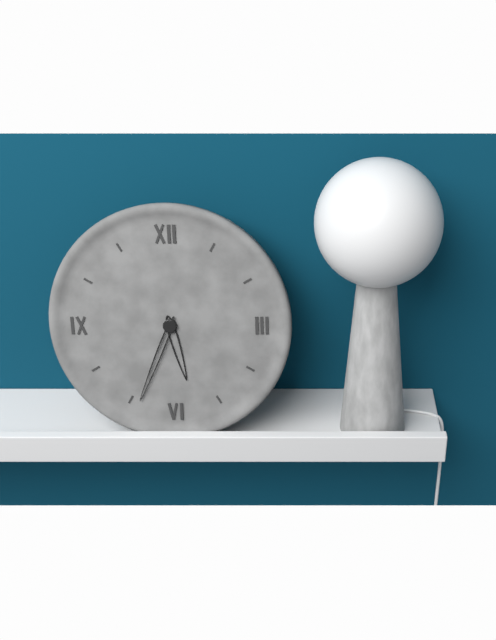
5:34
